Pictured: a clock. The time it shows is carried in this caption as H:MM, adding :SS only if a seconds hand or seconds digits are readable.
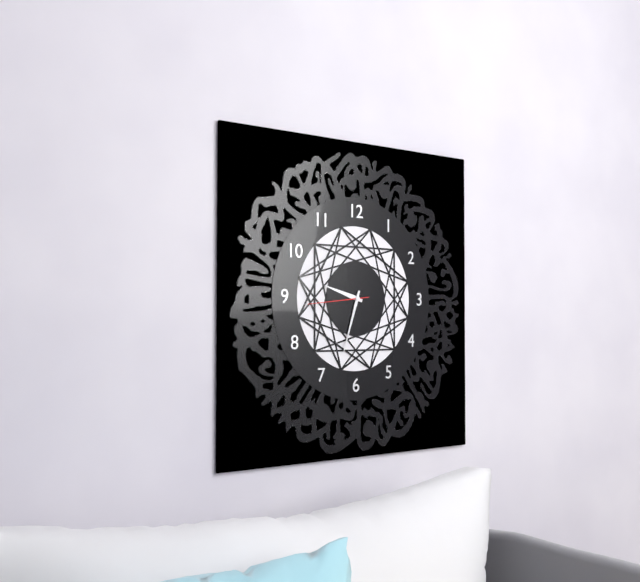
9:33:44
